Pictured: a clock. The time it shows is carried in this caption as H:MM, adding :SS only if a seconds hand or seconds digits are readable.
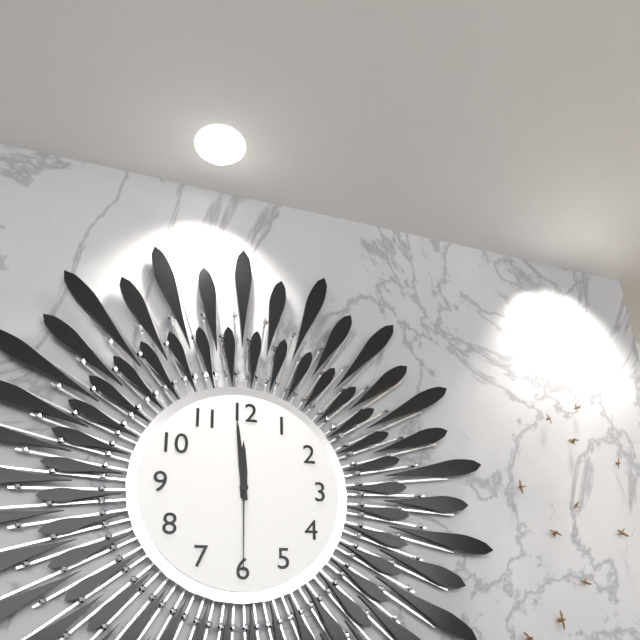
11:59:30
